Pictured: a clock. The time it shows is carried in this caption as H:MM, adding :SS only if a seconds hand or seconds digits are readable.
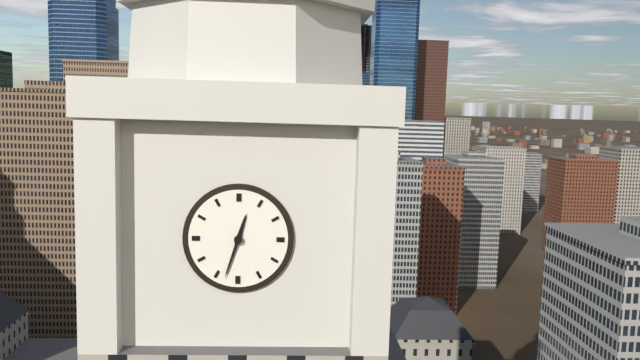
12:33
